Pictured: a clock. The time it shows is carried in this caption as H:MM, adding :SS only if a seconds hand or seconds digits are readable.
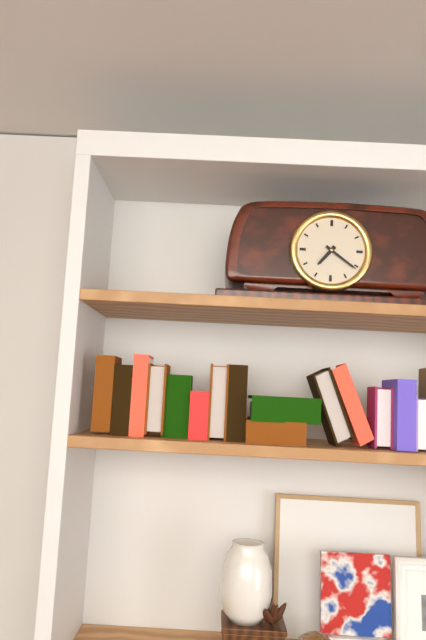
7:21
